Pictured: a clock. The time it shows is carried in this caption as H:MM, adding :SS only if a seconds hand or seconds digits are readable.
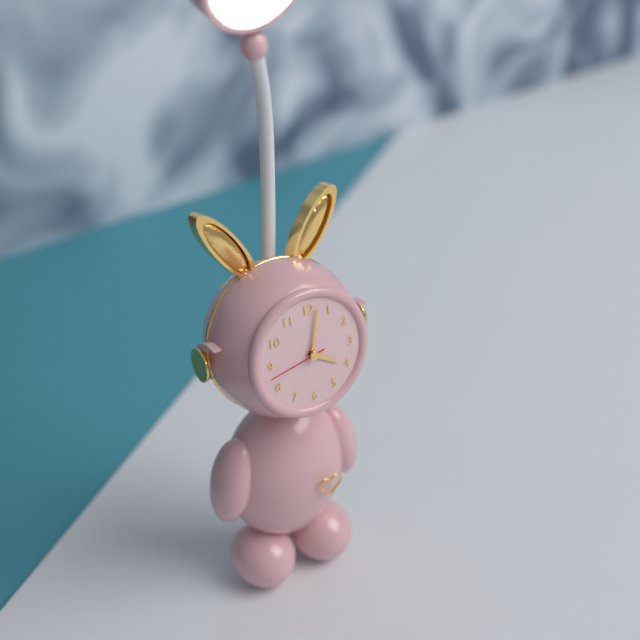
4:02:43
